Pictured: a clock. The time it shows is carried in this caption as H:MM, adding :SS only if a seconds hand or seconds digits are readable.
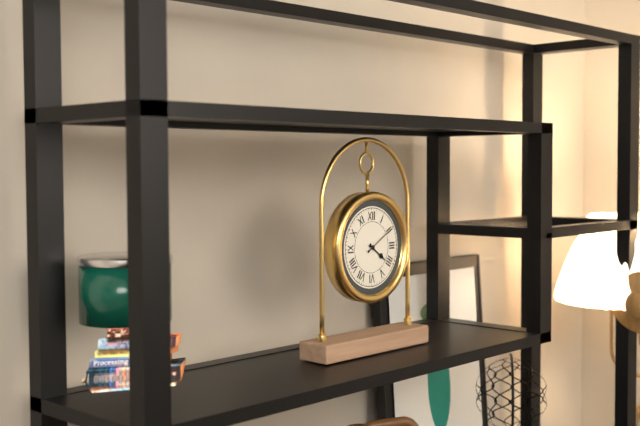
4:10
